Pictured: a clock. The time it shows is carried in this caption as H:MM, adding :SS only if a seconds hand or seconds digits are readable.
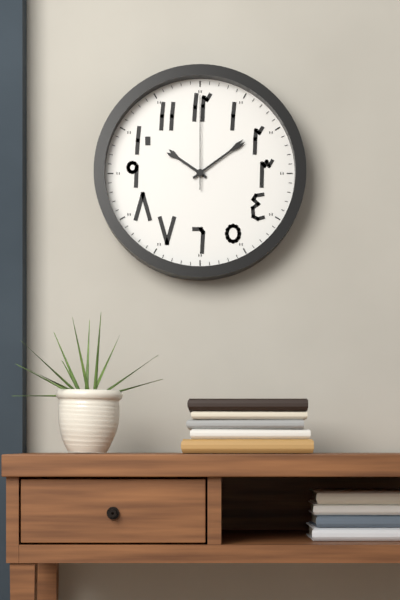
10:09:00
